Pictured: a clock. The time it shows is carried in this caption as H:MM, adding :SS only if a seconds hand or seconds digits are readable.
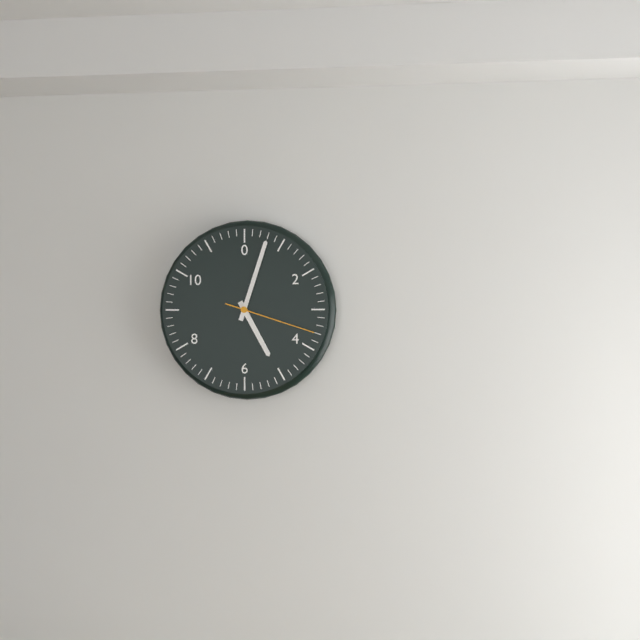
5:03:18
